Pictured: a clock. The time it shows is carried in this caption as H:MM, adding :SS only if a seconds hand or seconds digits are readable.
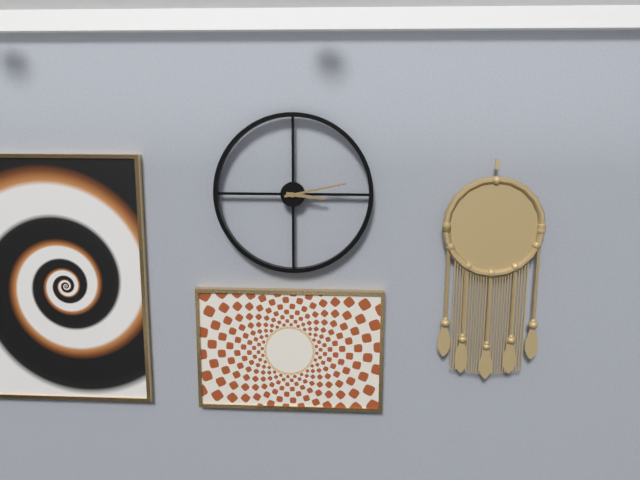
3:13
